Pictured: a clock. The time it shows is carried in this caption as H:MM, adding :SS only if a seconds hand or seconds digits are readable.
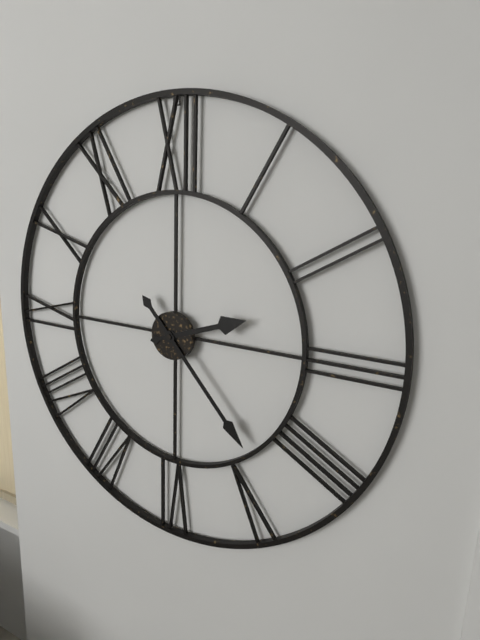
2:23
